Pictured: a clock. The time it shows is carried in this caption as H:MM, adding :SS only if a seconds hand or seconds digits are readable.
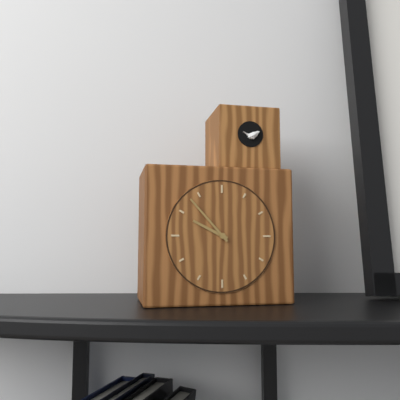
9:53
